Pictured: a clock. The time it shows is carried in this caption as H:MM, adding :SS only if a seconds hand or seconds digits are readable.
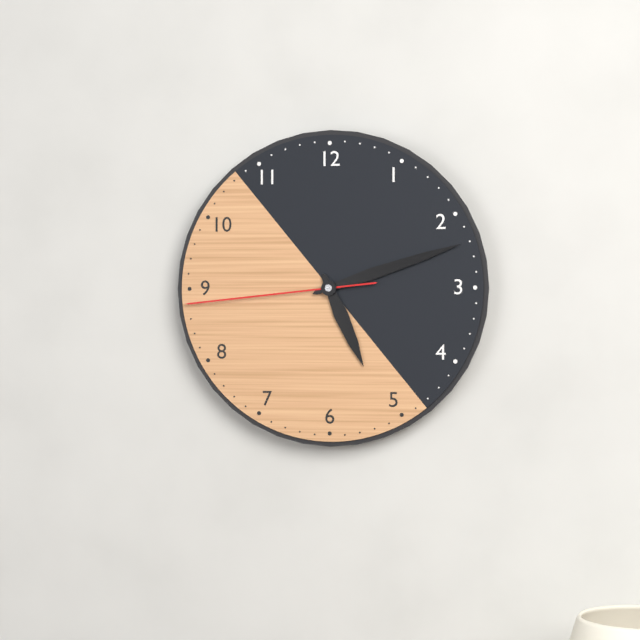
5:12:44
